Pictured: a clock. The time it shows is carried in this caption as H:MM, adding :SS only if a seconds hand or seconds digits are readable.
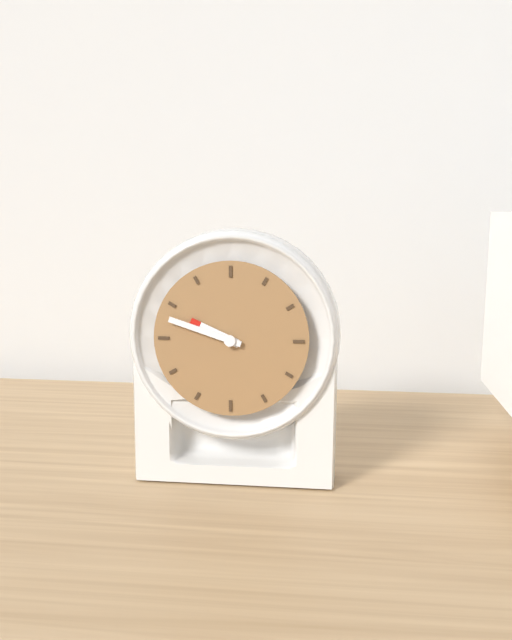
9:48
